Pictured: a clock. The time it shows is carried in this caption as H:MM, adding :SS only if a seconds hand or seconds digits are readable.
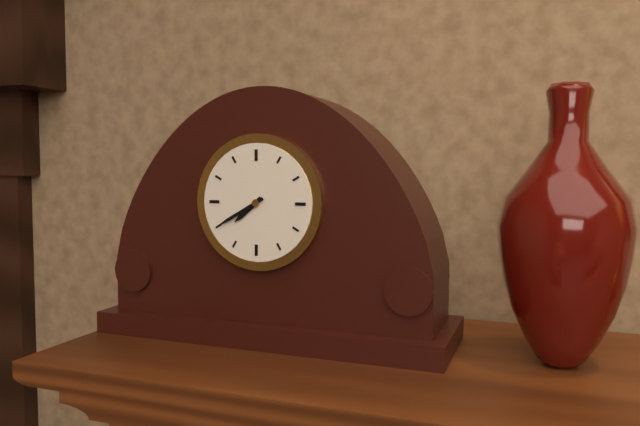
7:40
